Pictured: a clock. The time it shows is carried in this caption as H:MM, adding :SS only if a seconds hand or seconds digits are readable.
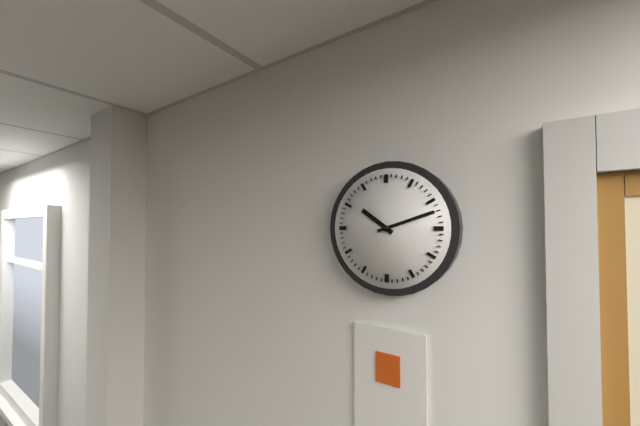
10:12
